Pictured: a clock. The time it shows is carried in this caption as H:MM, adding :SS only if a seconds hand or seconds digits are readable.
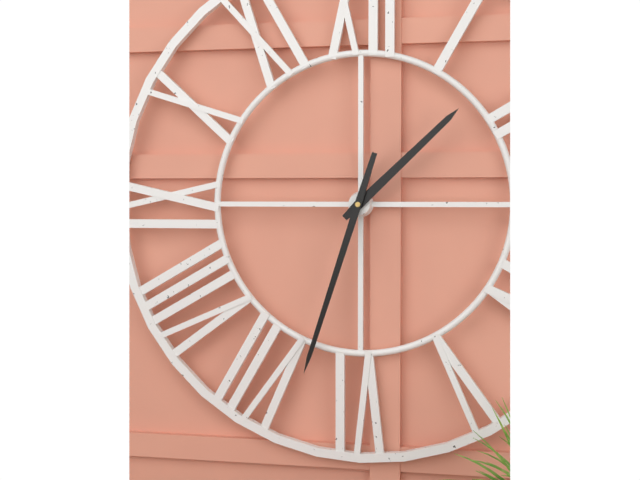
1:33
